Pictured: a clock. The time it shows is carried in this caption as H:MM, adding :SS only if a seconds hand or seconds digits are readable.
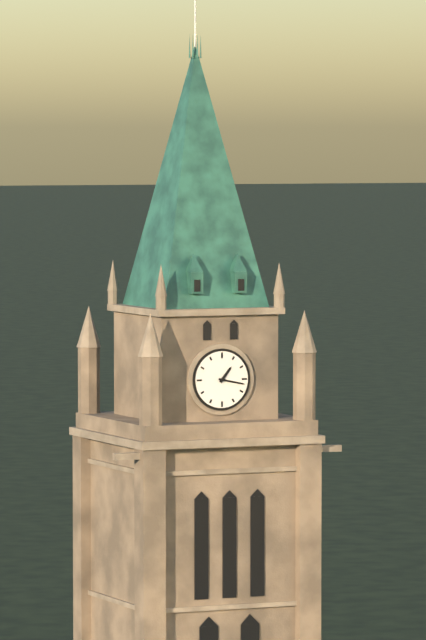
1:17
